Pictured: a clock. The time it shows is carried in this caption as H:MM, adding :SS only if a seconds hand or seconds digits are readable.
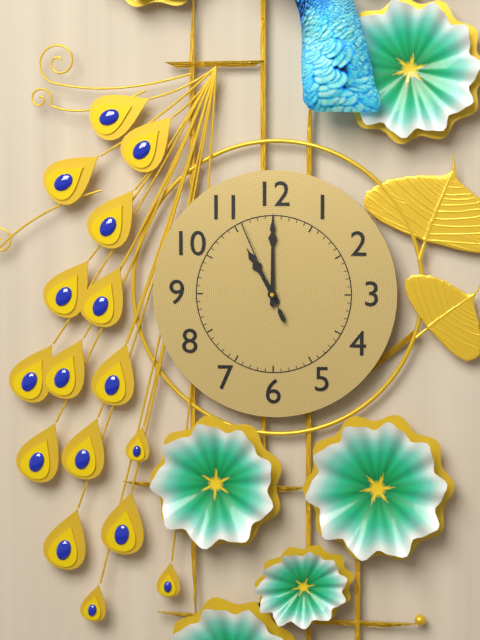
11:00:56
